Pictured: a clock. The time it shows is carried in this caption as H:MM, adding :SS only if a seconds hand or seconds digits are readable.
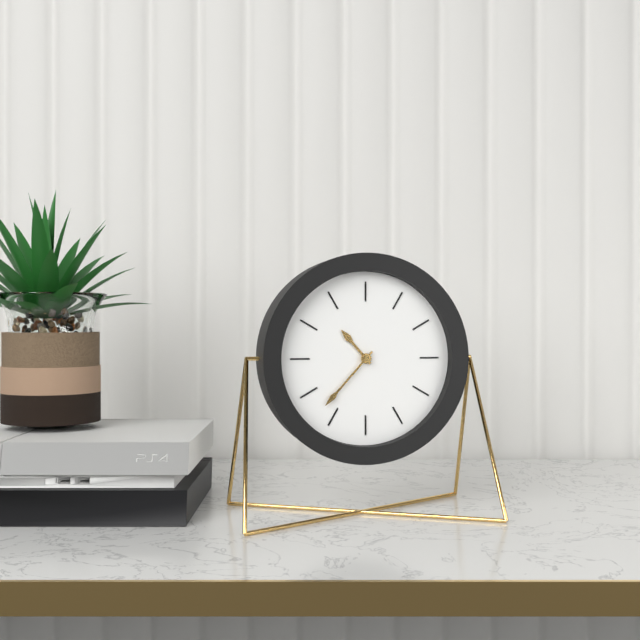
10:37
